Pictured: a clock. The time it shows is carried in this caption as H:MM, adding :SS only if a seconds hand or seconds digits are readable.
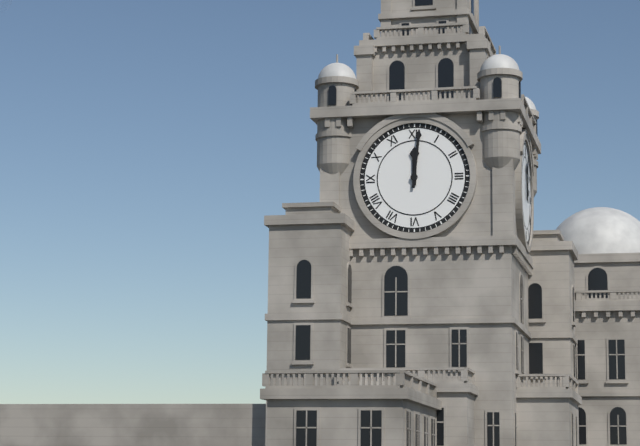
12:01
